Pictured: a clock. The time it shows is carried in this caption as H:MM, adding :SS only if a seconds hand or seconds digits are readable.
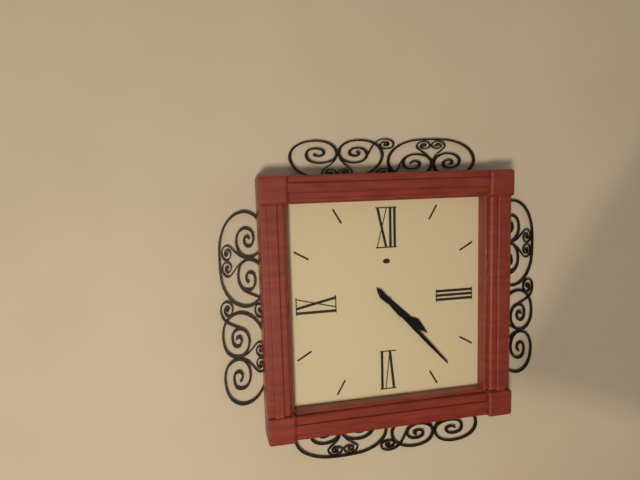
4:23
